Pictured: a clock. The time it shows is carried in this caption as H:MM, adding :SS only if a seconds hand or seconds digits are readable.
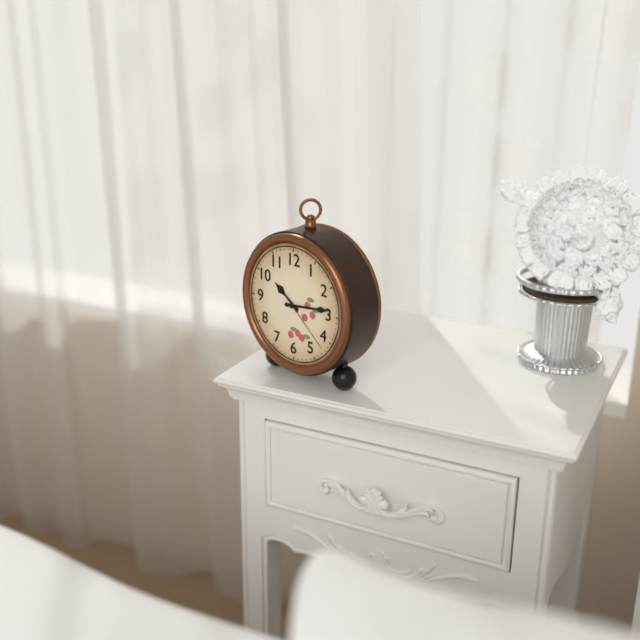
10:14:22
